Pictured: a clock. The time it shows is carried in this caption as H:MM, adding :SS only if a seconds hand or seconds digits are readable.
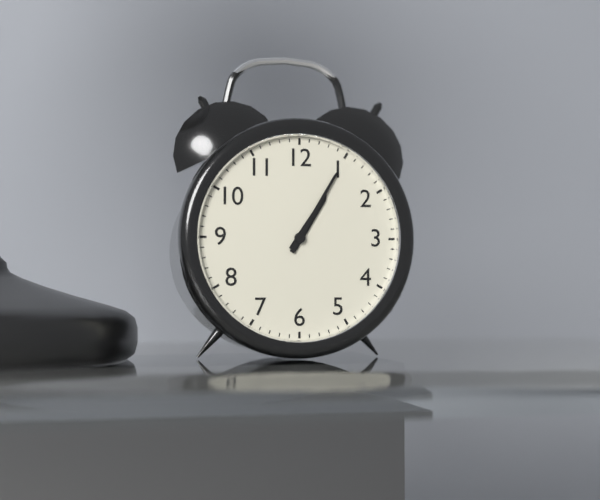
1:05
